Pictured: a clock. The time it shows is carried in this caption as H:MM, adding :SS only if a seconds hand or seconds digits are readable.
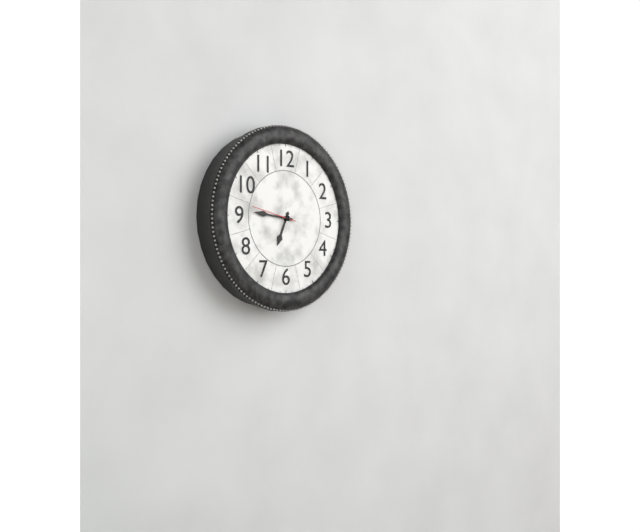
6:46
